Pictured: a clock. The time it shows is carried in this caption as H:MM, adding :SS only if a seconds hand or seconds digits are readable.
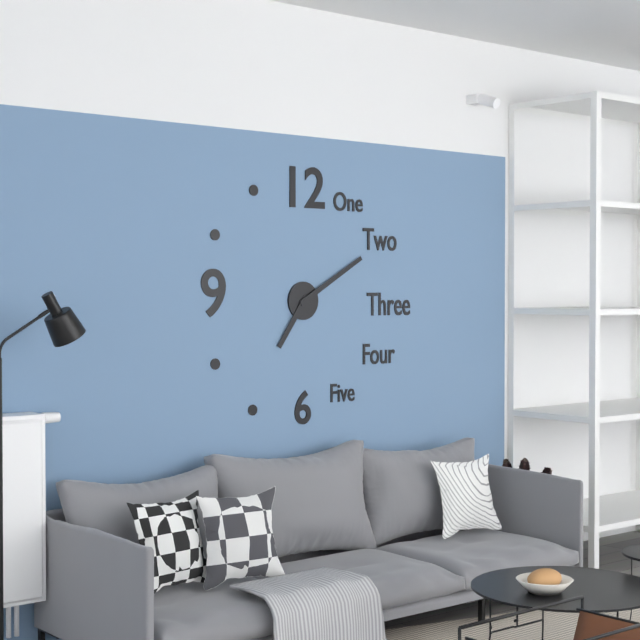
7:10
